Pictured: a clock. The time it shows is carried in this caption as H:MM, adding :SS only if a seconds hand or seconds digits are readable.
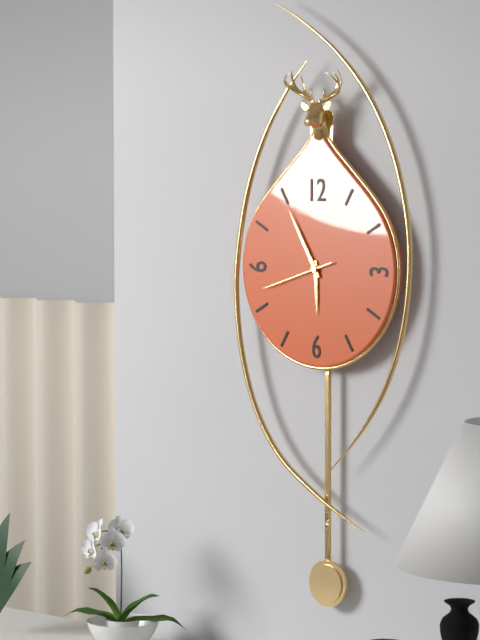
5:55:42
